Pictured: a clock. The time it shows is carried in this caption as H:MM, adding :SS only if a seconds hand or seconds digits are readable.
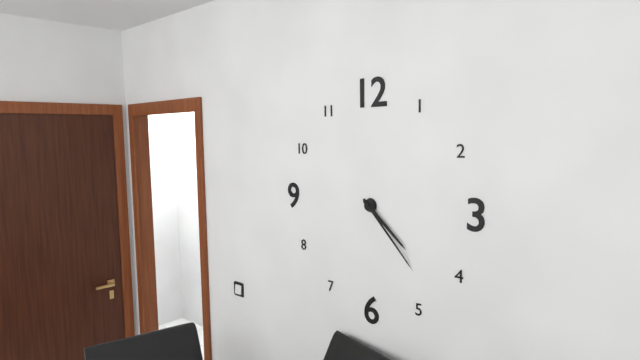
4:23
